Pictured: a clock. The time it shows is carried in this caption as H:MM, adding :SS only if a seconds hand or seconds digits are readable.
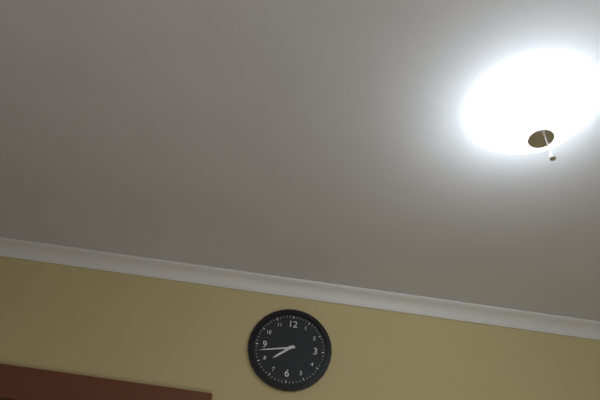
7:43
